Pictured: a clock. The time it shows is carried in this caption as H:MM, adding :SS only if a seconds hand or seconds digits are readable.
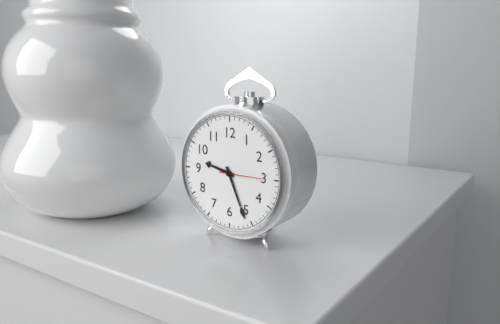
9:26
